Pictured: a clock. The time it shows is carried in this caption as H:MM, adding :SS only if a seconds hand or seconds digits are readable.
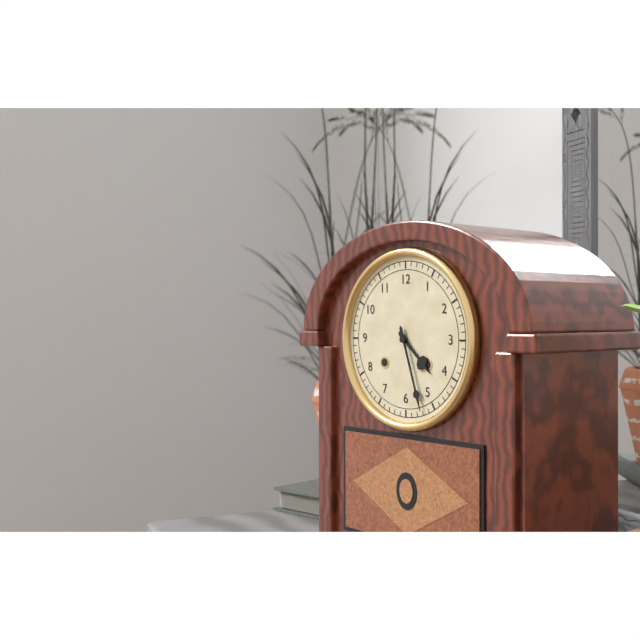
4:27
